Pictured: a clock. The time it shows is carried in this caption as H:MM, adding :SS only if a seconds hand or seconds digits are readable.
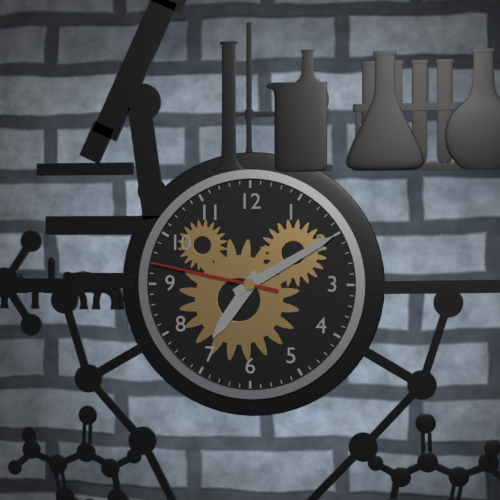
7:10:47
